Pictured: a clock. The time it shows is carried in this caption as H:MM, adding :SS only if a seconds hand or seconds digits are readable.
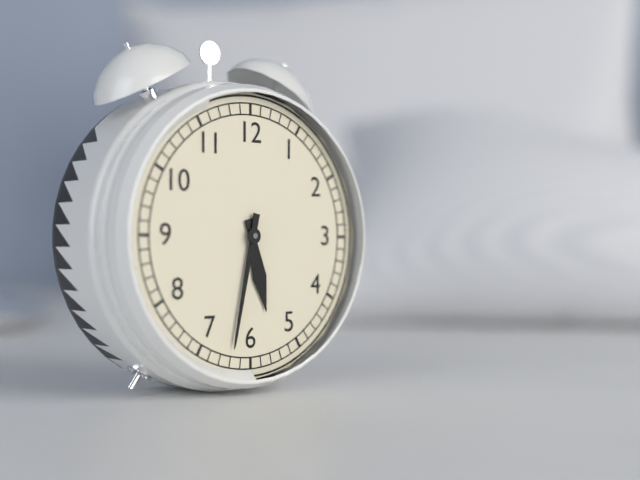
5:32
